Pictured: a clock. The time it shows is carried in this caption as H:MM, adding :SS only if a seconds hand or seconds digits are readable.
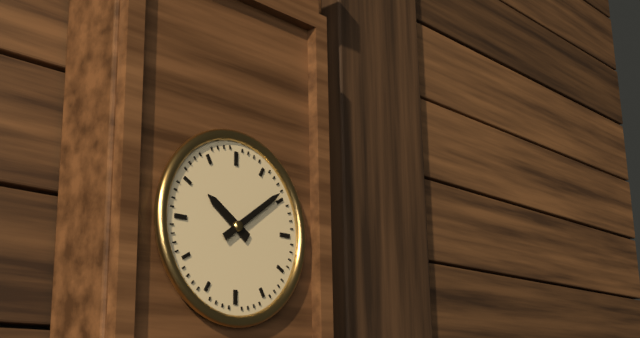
10:09
